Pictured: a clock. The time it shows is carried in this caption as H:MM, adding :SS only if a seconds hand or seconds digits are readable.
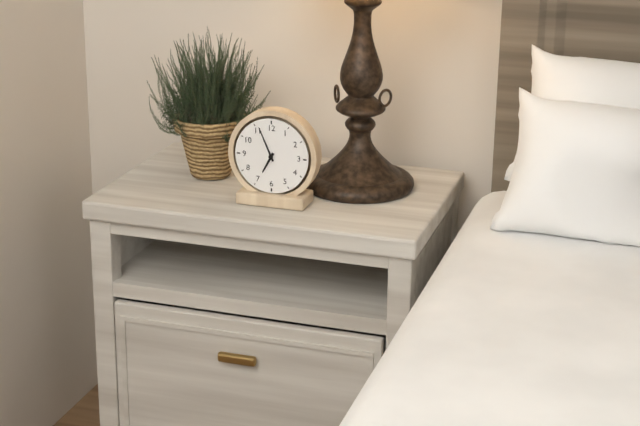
6:56
